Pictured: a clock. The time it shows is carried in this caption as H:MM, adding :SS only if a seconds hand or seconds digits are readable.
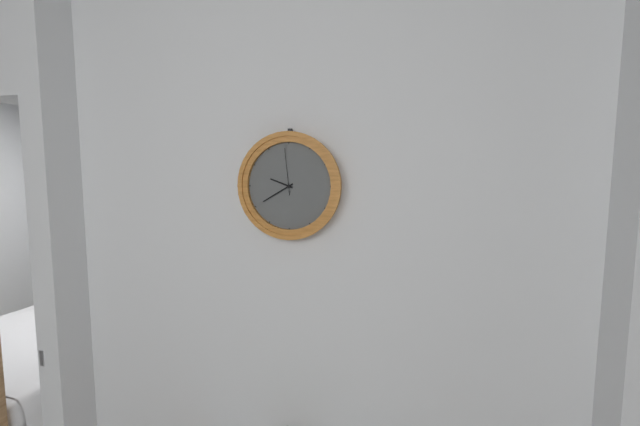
9:40
